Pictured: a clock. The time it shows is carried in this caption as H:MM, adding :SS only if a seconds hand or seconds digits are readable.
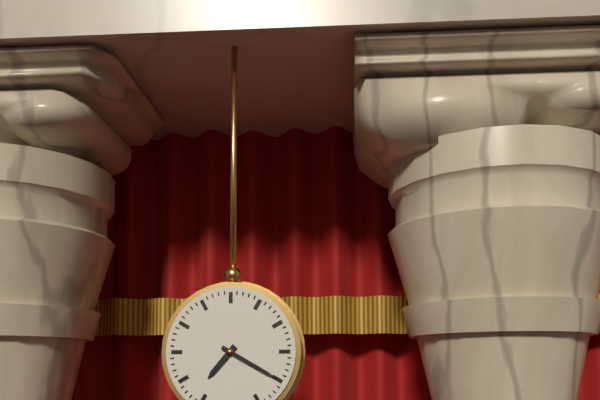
7:20
